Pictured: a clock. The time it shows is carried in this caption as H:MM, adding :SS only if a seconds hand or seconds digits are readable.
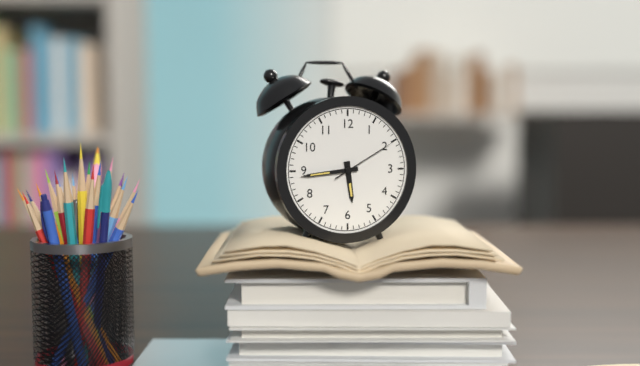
5:44:10
